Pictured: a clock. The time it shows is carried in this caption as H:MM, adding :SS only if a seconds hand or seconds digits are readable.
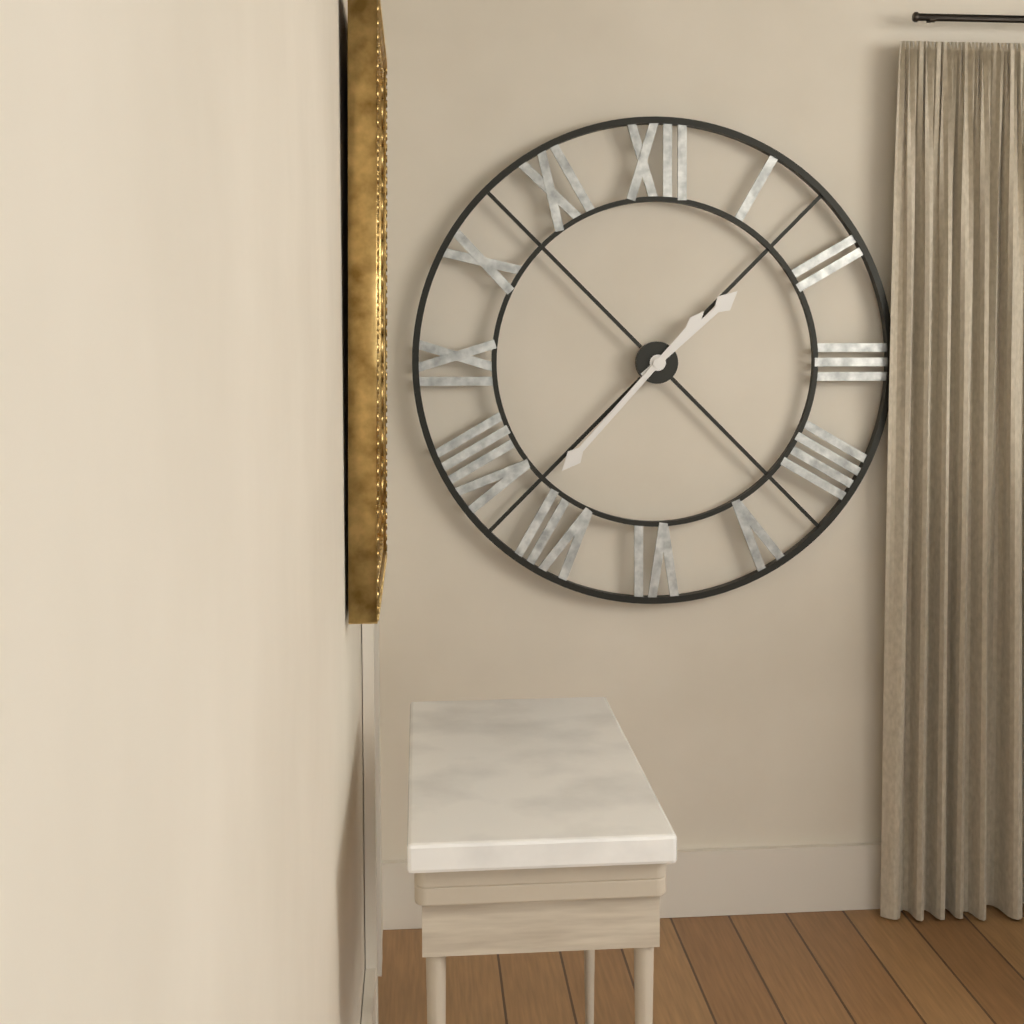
1:37
